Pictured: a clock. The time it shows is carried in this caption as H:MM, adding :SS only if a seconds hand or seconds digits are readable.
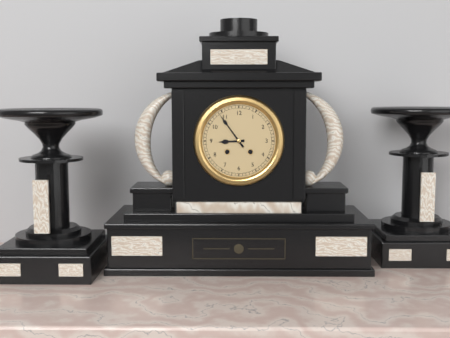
8:54
